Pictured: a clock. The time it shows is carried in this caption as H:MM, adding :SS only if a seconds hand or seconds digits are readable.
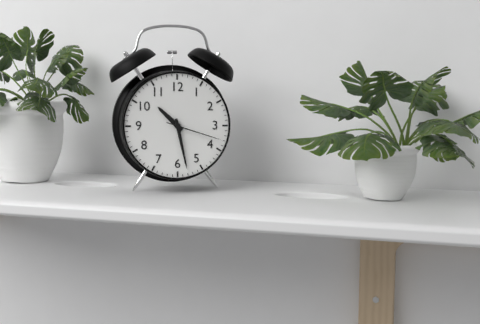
10:28:18
